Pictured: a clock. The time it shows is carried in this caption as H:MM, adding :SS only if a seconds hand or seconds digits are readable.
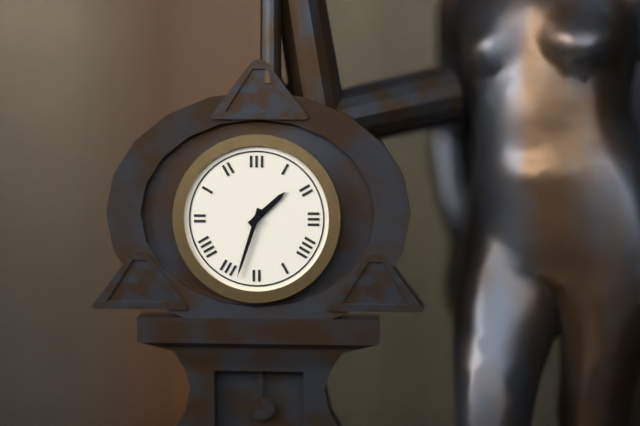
1:33
